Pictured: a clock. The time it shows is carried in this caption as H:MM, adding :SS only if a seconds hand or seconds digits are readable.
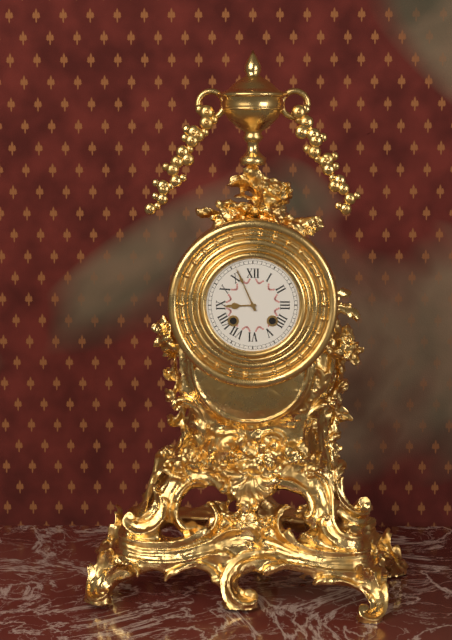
8:56
